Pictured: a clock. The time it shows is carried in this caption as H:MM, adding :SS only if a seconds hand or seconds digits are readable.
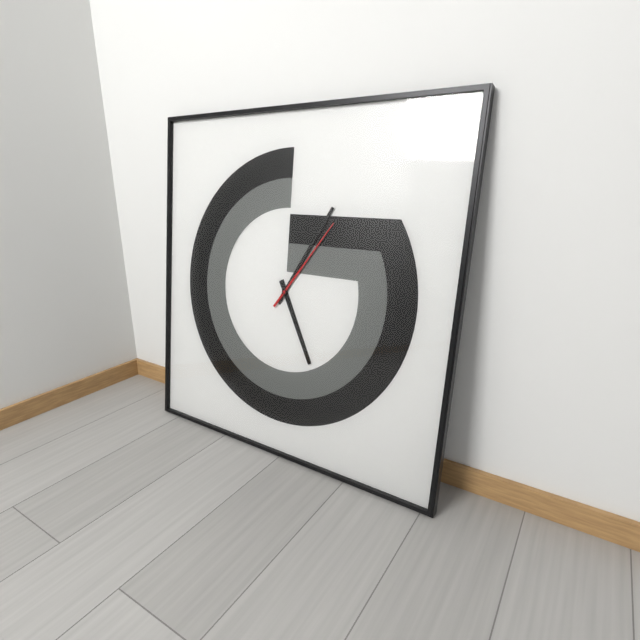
5:05:06
